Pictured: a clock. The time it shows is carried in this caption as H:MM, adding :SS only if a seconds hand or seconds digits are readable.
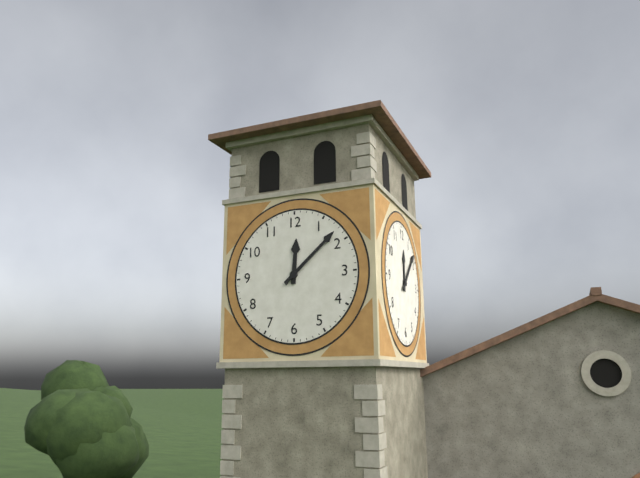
12:08
